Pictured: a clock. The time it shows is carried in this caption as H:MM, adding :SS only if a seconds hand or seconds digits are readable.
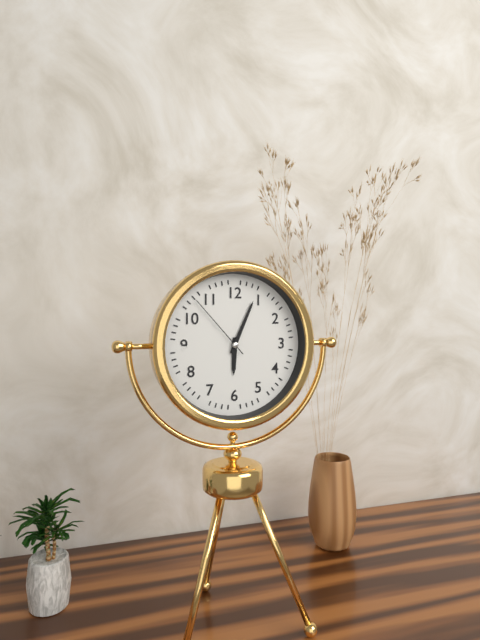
6:04:53
